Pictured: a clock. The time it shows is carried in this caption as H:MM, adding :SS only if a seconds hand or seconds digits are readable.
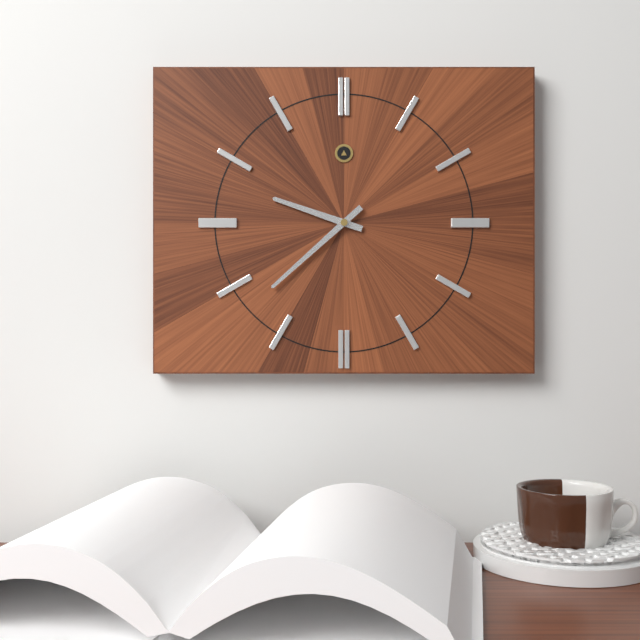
9:38
